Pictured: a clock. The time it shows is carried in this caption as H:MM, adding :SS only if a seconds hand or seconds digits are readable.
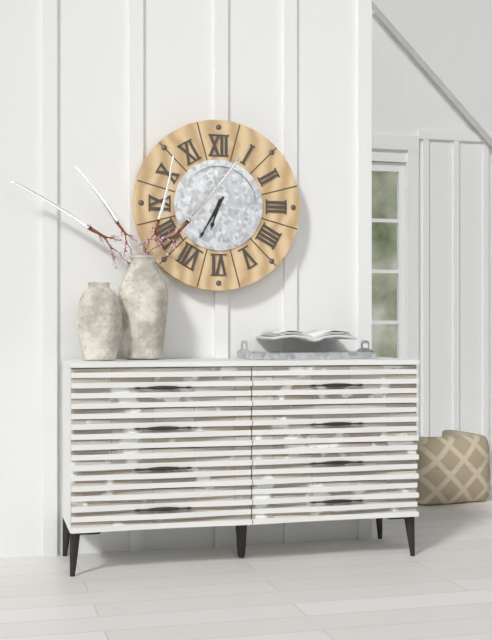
6:35
